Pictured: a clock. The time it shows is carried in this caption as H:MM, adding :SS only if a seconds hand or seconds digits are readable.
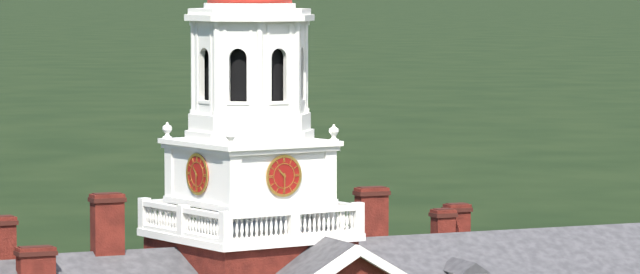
10:30
